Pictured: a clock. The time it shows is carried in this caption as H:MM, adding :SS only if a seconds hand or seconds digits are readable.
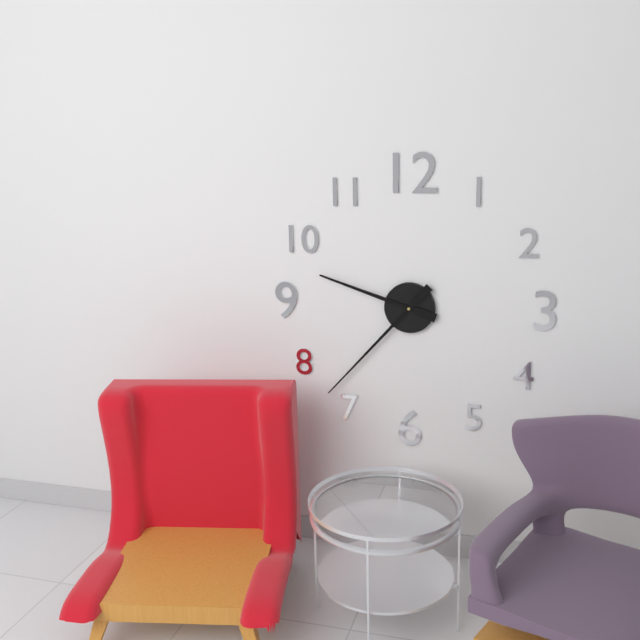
9:37
